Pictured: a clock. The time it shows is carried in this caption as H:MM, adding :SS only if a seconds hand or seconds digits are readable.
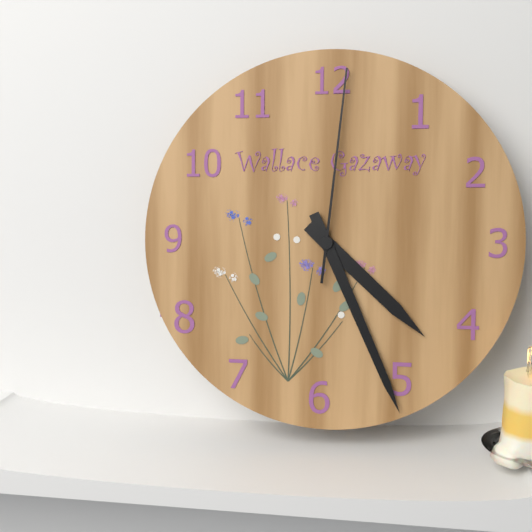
4:26:01
